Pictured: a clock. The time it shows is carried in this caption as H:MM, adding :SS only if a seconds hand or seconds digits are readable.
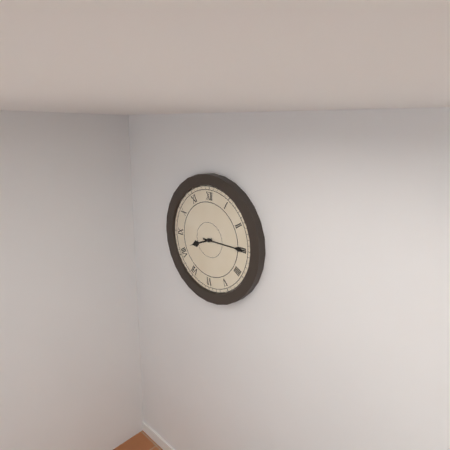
8:15
